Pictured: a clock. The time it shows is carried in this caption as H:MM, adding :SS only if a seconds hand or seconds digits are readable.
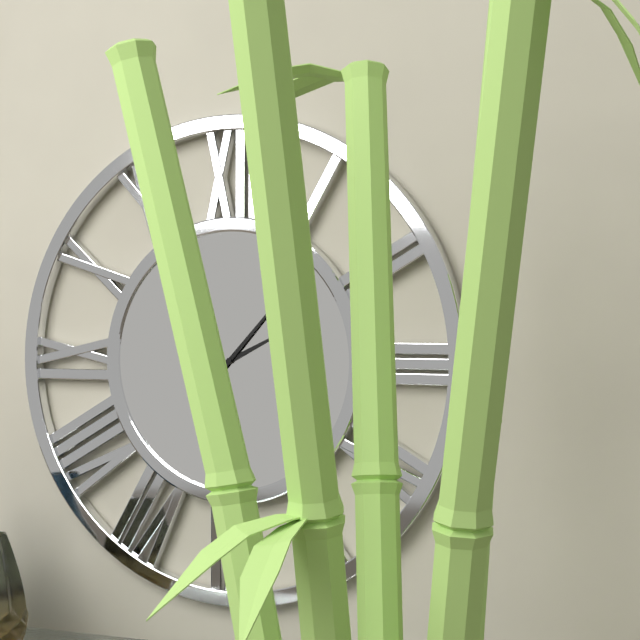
2:07
